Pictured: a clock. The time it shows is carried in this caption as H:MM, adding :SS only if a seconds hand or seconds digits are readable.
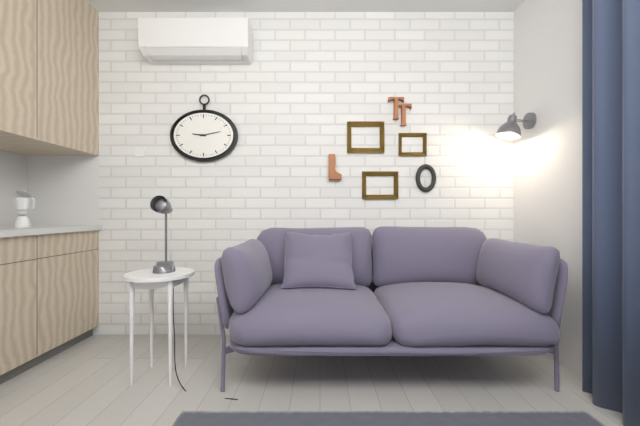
9:13
